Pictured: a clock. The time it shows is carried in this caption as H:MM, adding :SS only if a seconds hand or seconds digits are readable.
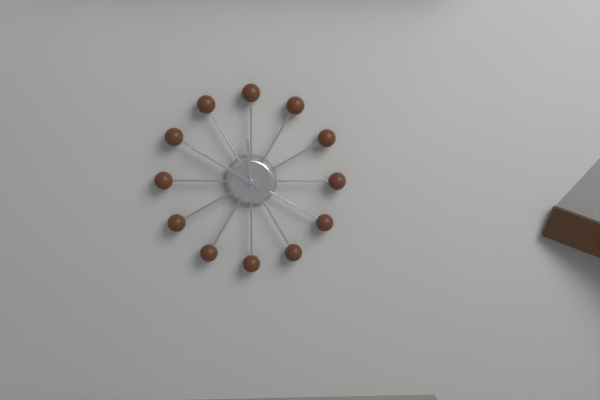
11:50
